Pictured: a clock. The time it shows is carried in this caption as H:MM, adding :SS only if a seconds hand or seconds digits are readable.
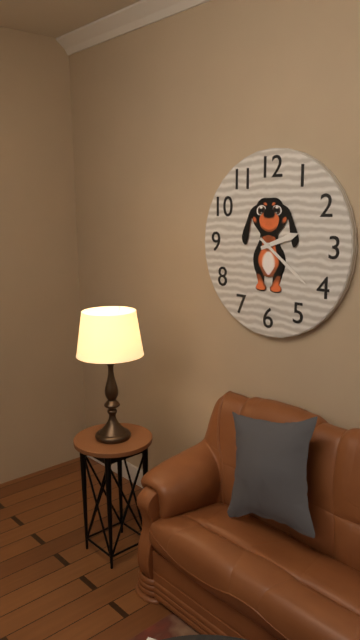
2:21
